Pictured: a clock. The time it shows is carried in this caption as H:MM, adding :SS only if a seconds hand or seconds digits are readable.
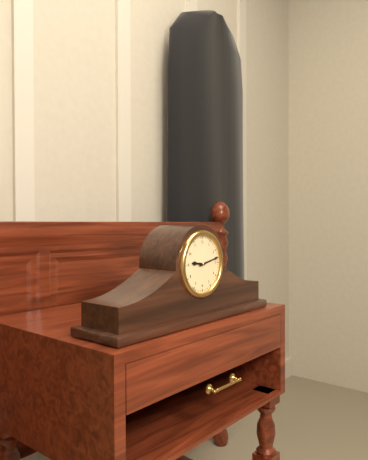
9:13
